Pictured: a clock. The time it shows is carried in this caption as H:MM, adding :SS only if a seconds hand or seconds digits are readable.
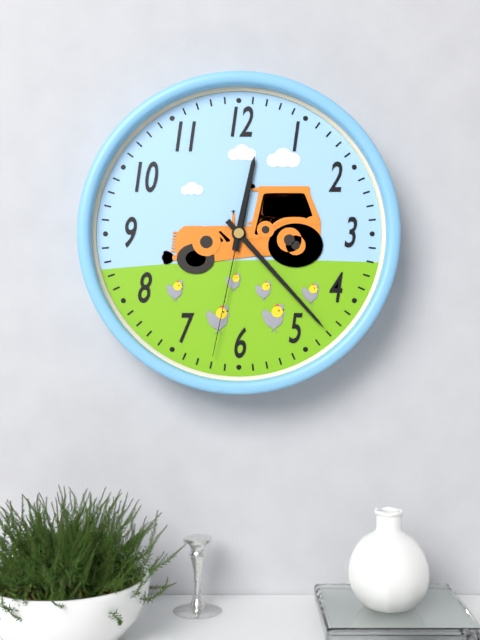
12:23:32
